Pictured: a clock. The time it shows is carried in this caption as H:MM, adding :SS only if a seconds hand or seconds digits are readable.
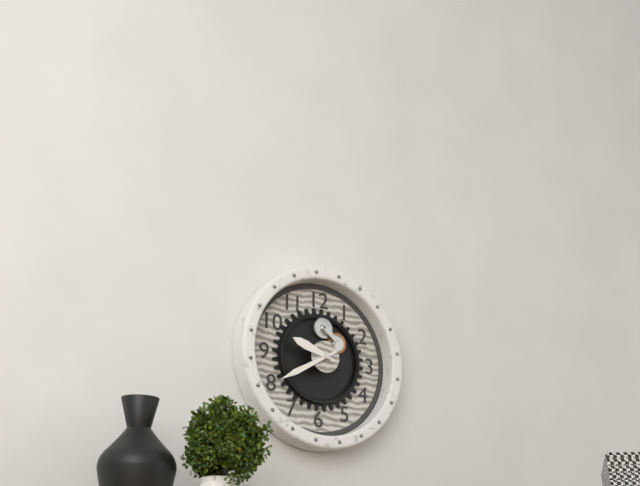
9:40
